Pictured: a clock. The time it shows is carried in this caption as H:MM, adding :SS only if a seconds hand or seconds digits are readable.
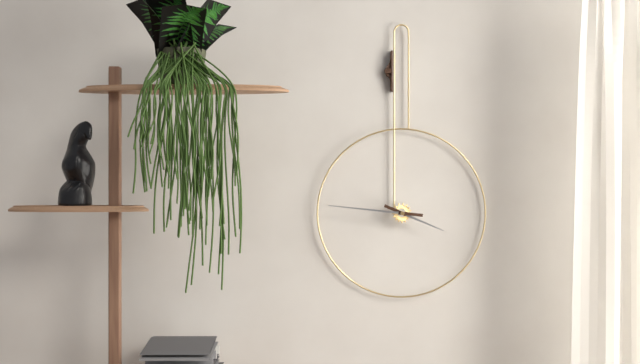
3:46
